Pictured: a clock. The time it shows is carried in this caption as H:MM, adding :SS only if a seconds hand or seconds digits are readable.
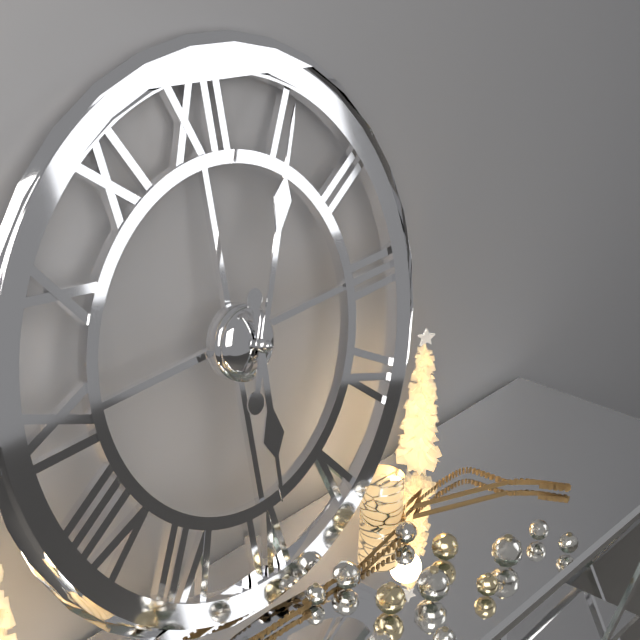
6:04
